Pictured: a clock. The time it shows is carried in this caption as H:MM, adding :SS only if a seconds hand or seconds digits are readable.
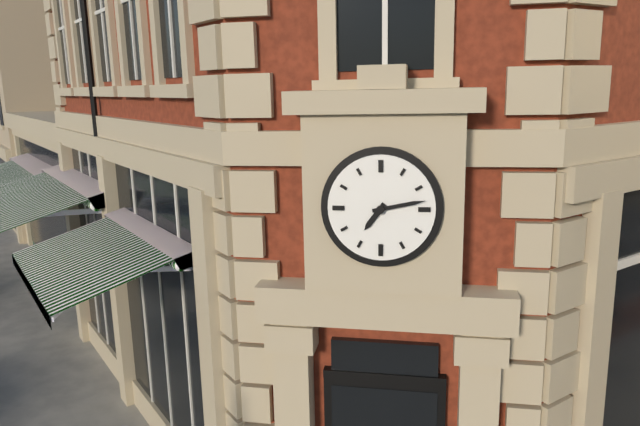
7:13
